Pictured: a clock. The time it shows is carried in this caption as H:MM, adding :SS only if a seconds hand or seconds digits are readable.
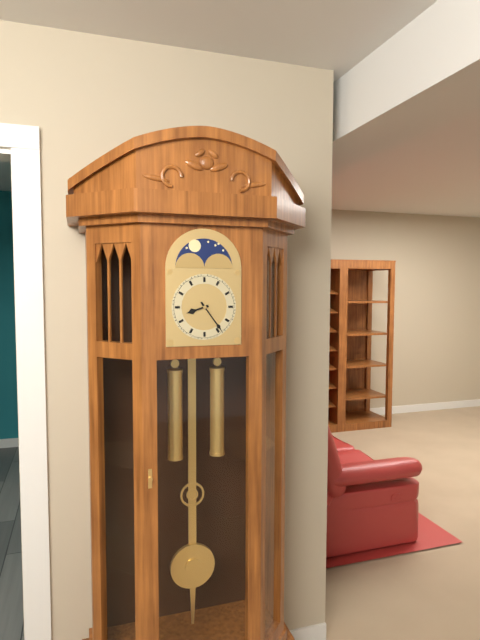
8:24
